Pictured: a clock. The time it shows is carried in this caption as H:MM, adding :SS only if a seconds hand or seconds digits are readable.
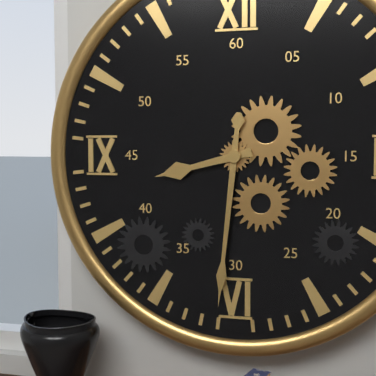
8:31
